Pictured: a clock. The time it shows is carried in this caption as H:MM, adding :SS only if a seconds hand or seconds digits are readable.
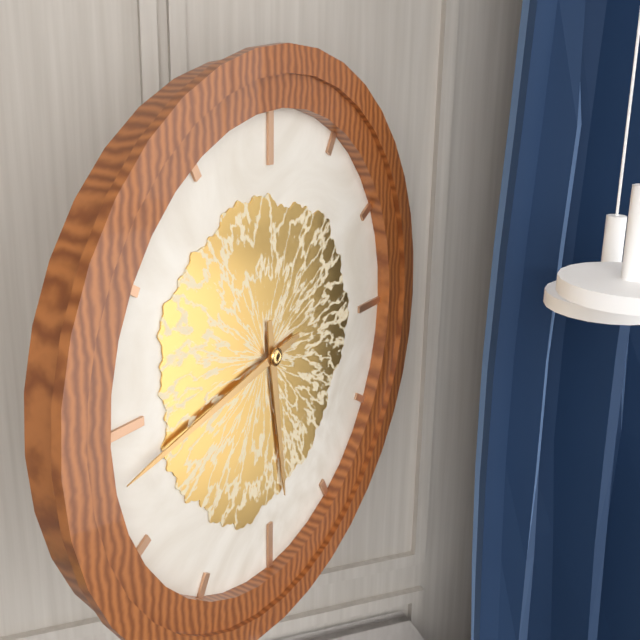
5:43
